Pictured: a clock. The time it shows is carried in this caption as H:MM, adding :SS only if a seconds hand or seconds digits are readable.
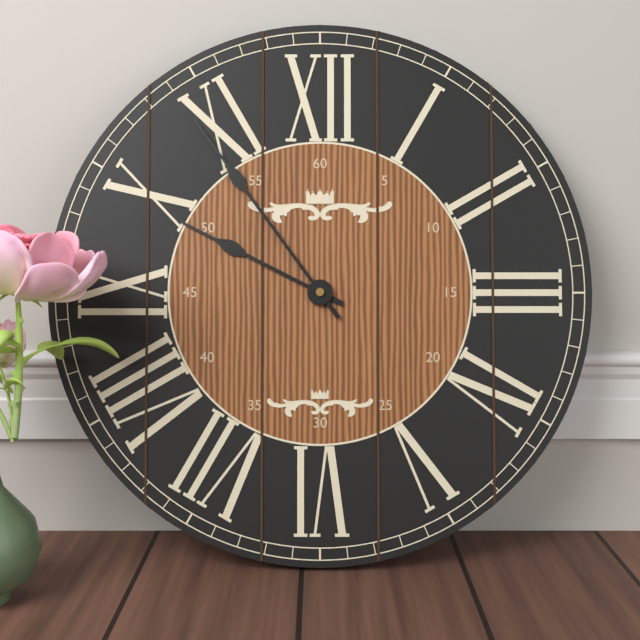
9:54
